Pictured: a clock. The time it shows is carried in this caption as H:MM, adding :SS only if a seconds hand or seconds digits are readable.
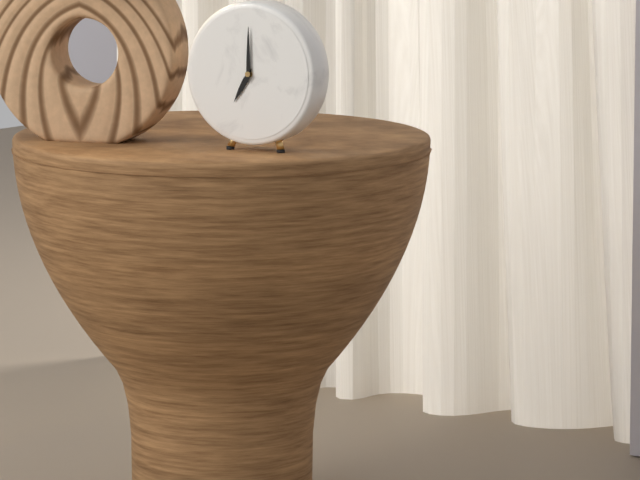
7:00
